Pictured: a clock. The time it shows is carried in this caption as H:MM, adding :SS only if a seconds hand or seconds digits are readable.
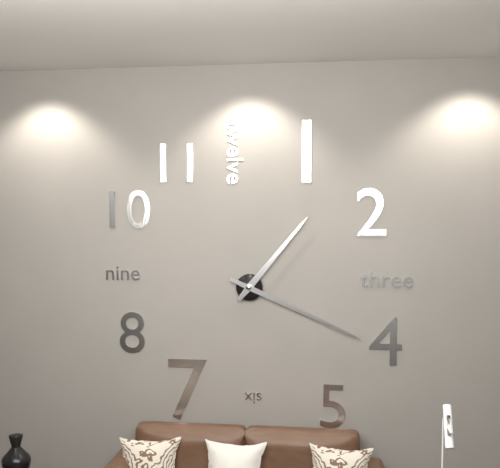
1:19
